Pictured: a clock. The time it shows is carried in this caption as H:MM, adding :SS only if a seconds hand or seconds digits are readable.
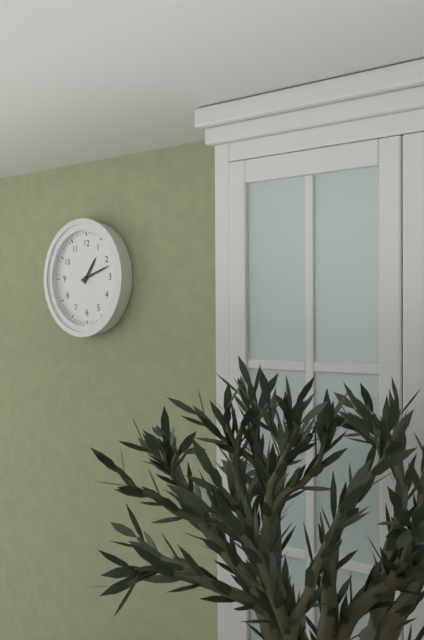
1:12
